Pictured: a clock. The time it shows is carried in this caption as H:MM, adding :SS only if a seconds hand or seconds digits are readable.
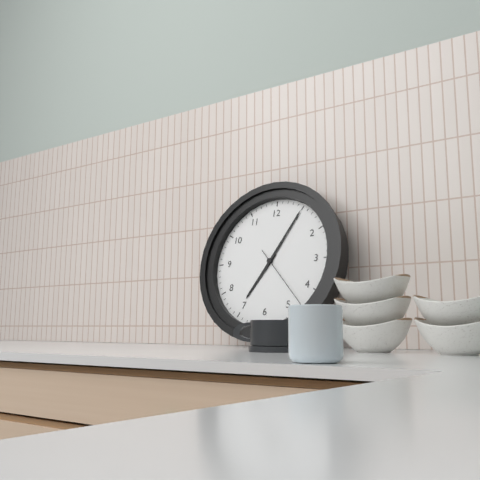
7:05:23
